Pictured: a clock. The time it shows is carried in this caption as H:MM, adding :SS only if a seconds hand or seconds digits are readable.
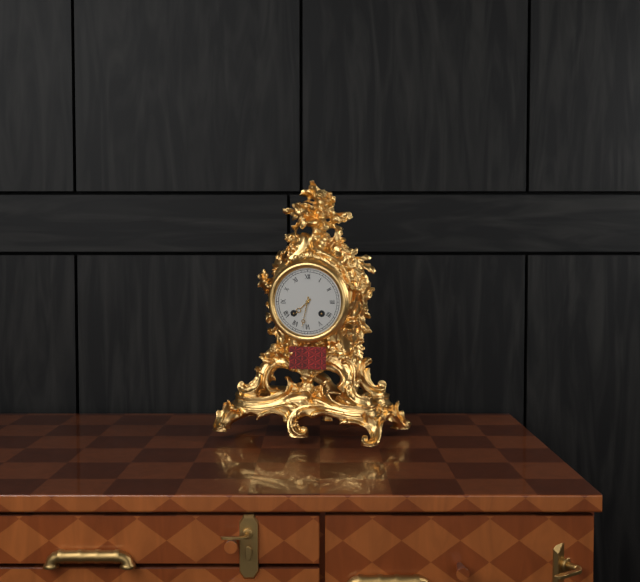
7:32
